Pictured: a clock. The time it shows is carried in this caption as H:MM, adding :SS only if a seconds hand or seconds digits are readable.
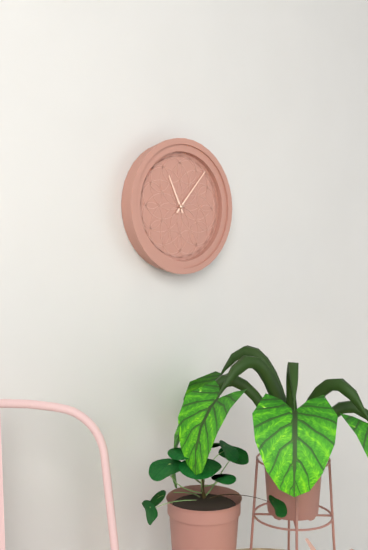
11:07
